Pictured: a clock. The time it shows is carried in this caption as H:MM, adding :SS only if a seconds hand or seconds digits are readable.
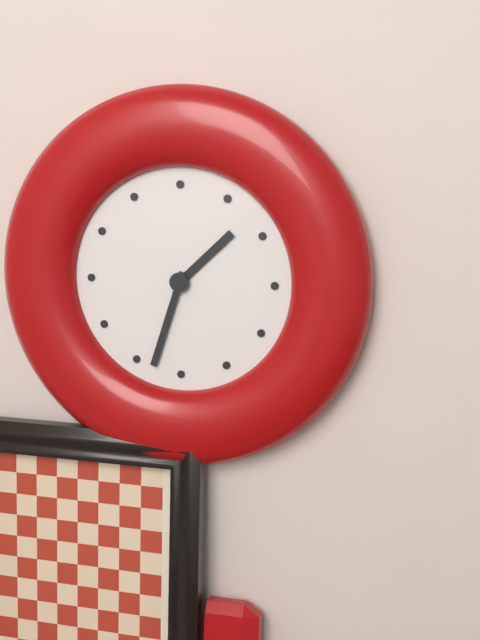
1:33
